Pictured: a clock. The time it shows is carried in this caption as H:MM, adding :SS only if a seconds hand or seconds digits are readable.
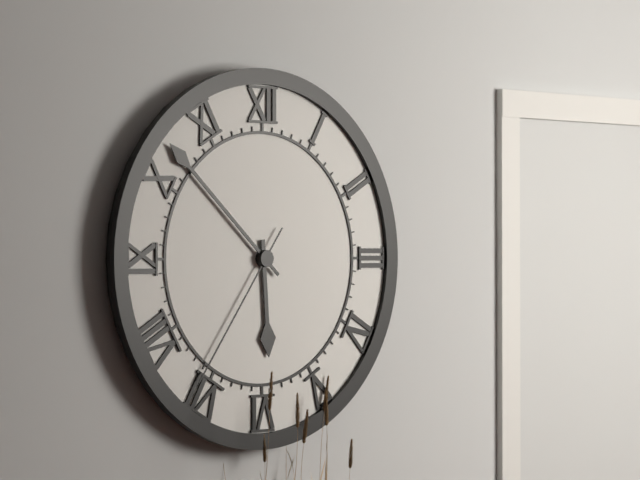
5:52:36
